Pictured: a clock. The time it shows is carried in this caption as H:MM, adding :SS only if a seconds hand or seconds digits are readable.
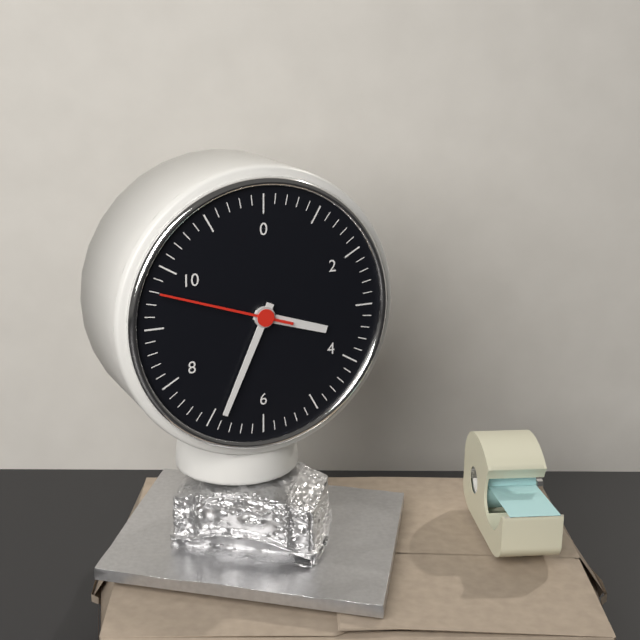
3:34:48
